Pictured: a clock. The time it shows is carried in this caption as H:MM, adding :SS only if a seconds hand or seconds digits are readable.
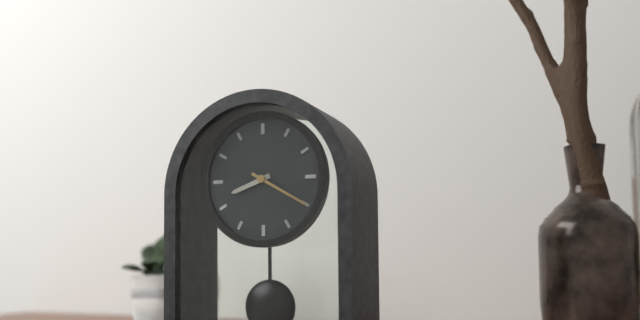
8:20
